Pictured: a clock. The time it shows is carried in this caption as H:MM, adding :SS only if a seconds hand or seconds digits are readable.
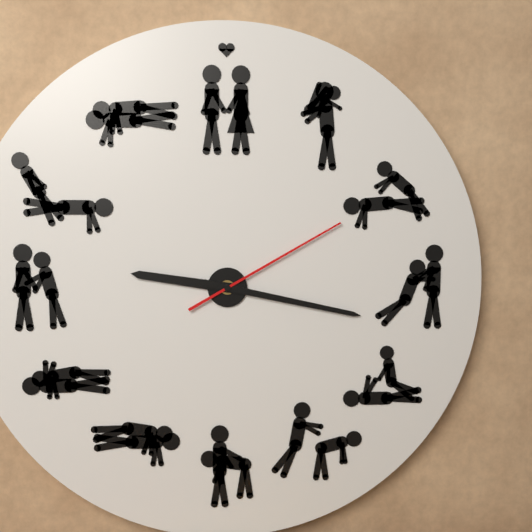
9:17:10
